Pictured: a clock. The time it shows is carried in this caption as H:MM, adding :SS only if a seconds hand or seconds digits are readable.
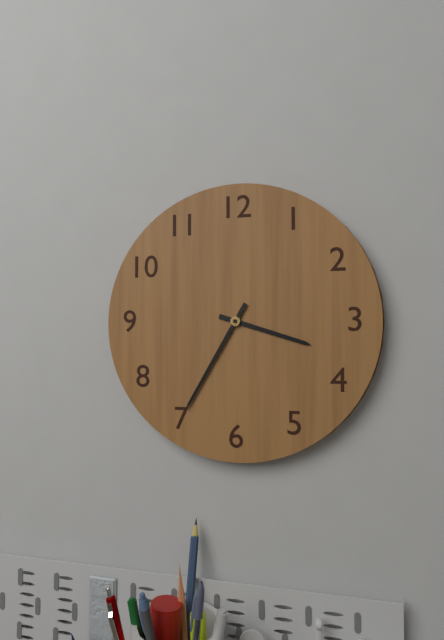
3:35
